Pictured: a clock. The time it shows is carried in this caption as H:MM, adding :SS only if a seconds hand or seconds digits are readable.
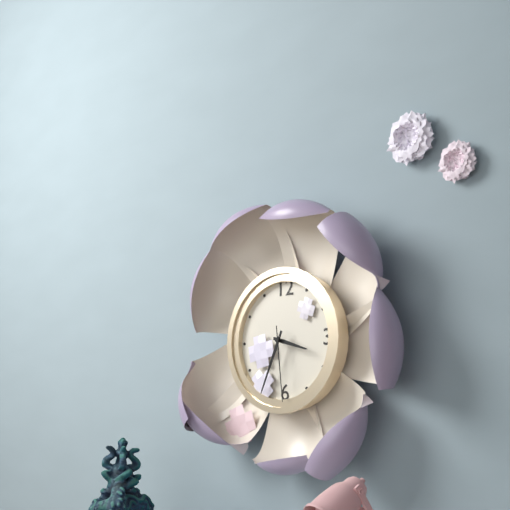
3:34:29
